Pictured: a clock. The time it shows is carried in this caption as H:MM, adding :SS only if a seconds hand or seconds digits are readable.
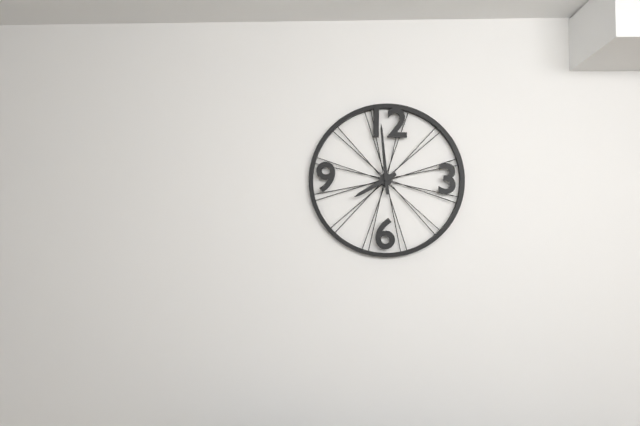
7:59
